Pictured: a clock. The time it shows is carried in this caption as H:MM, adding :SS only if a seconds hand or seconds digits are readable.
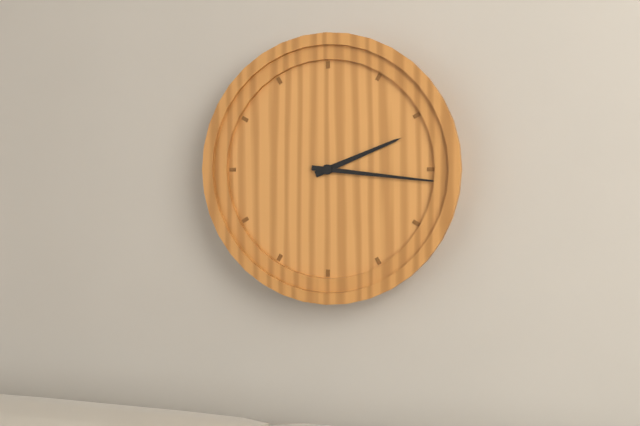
2:16
